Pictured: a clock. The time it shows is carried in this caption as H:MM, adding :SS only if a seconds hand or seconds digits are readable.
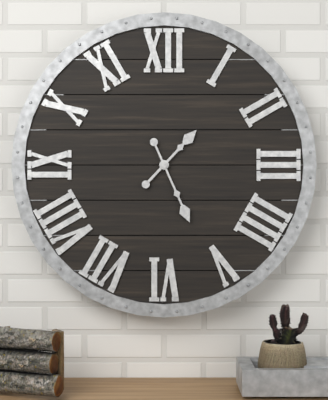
1:26
